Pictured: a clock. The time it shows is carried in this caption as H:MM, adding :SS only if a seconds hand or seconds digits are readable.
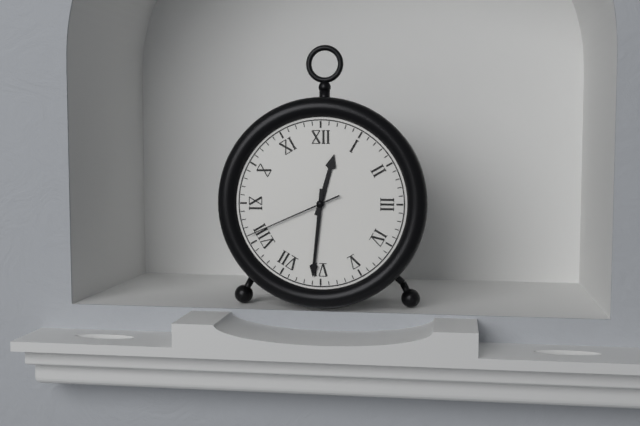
12:31:41
